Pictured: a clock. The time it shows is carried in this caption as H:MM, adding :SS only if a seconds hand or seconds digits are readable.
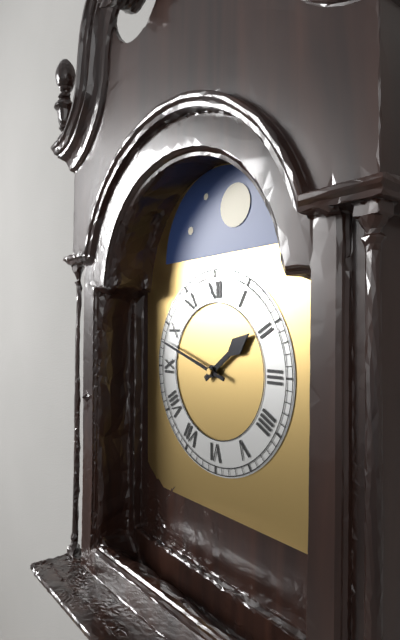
1:48
